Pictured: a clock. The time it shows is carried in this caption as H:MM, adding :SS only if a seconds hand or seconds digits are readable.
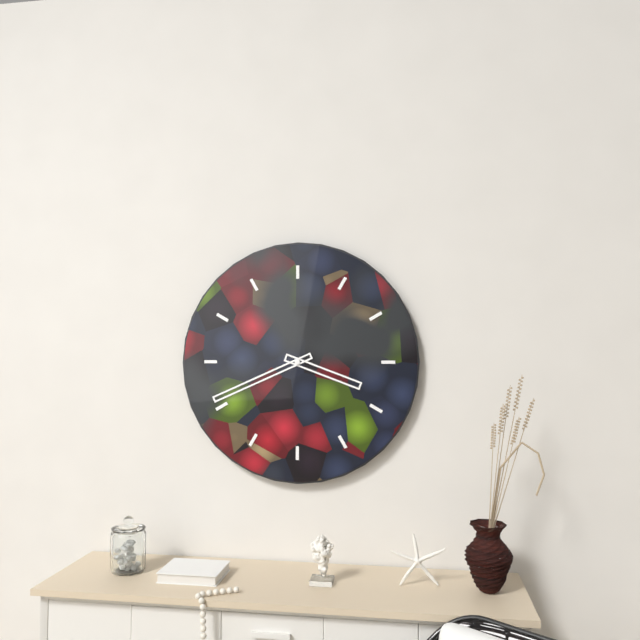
3:41
